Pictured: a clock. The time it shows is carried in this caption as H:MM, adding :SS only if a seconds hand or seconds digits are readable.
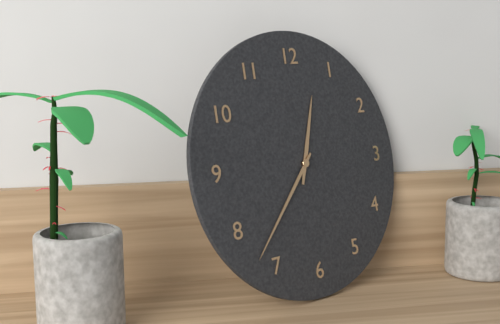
12:37
